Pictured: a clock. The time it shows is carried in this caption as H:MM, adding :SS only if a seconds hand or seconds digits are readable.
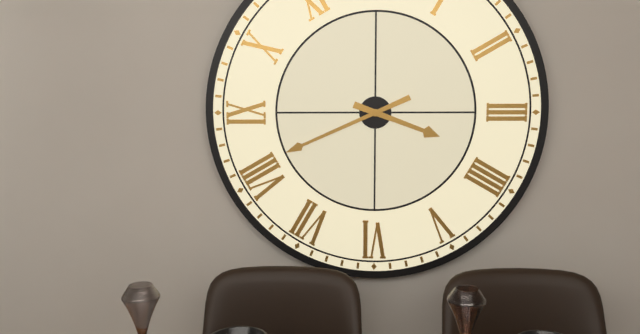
3:41
